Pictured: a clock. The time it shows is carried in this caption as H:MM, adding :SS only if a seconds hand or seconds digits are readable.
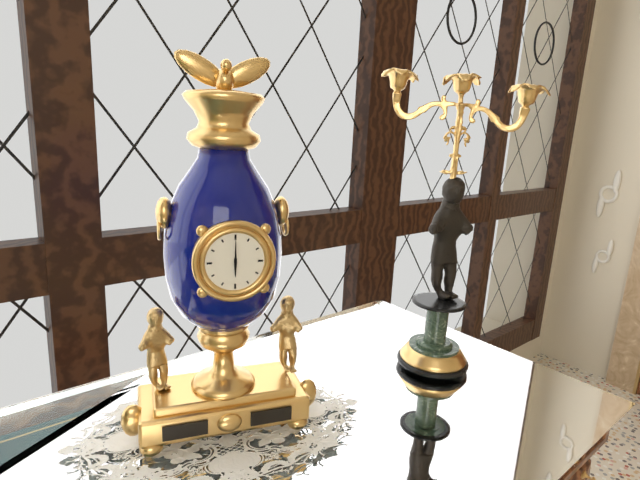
6:00
